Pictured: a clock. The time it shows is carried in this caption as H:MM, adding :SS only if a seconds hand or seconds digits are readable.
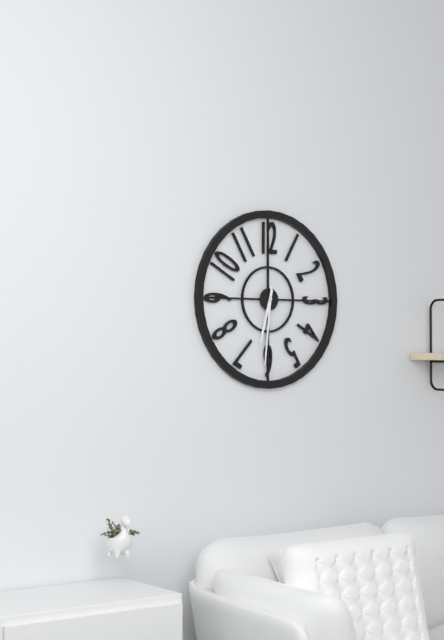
6:31
